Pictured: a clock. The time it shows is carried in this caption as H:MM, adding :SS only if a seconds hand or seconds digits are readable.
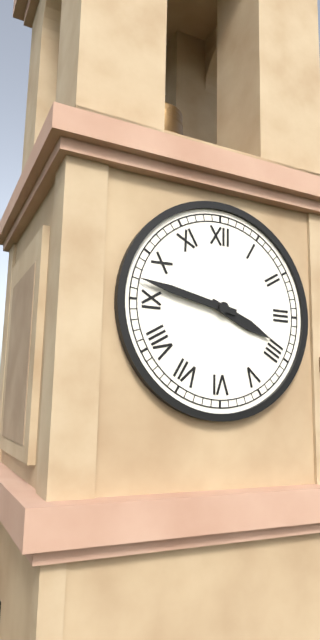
3:47
